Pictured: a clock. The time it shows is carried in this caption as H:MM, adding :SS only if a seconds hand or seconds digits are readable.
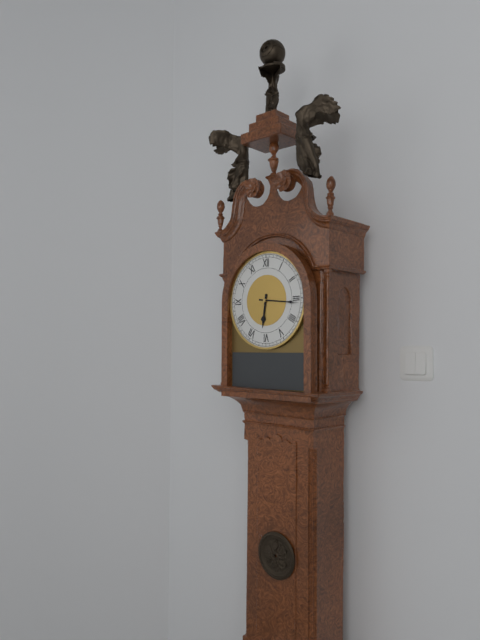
6:16
